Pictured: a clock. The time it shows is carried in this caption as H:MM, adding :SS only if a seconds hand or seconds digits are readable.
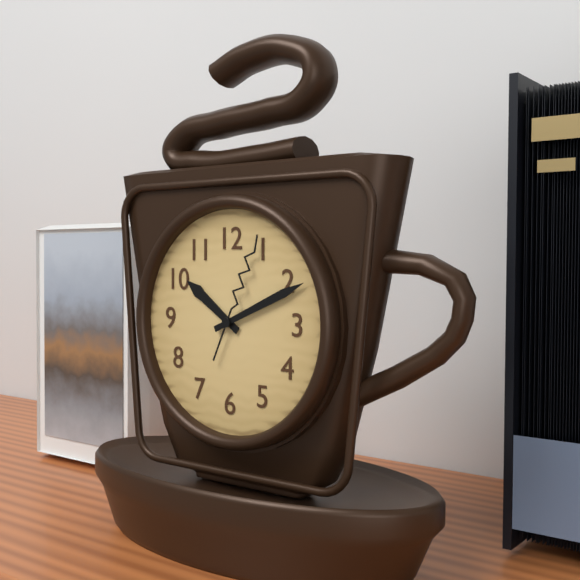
10:11:04
